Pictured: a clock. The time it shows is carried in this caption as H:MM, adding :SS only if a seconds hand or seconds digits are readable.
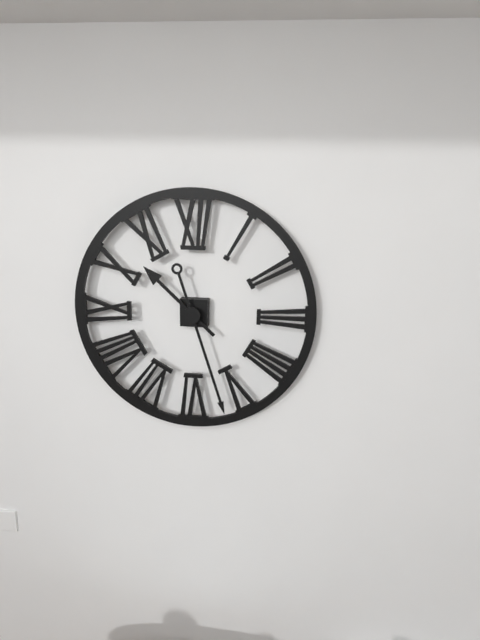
10:27
